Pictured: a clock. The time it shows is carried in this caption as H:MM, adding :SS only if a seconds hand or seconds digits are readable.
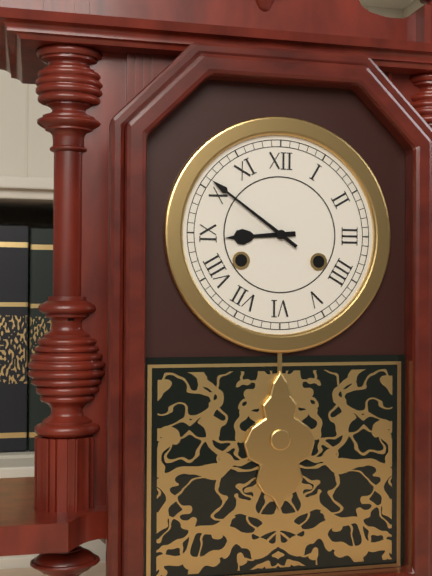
8:51
